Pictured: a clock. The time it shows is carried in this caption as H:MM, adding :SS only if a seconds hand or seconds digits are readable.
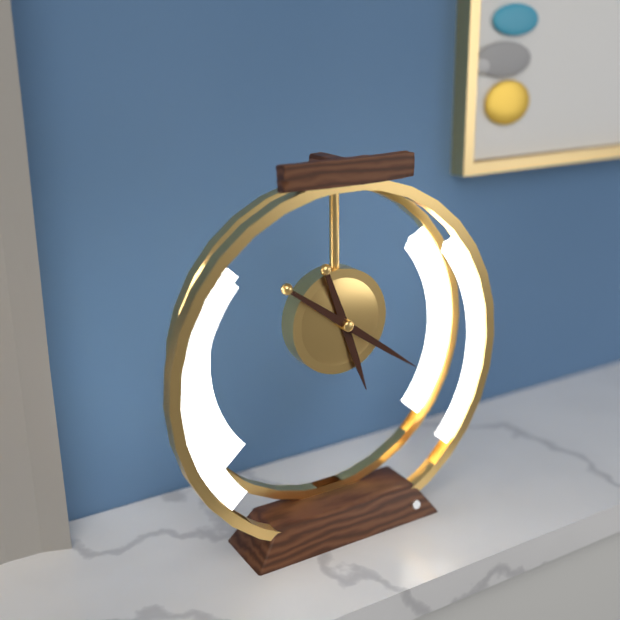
5:21
